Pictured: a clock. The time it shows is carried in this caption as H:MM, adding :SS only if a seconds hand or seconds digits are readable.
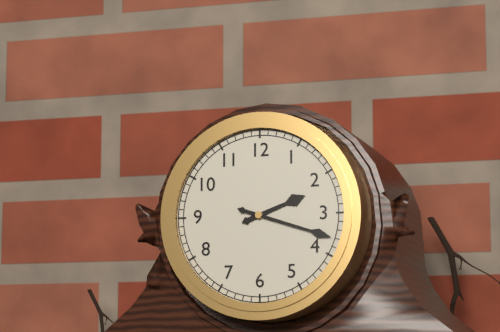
2:18
